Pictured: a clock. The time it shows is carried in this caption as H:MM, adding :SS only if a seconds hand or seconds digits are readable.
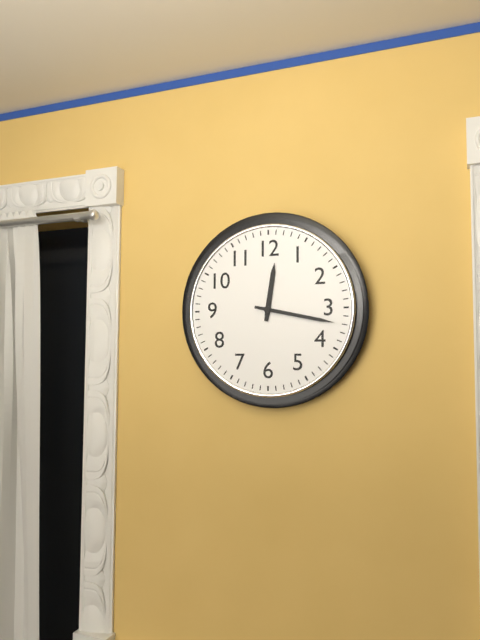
12:17
